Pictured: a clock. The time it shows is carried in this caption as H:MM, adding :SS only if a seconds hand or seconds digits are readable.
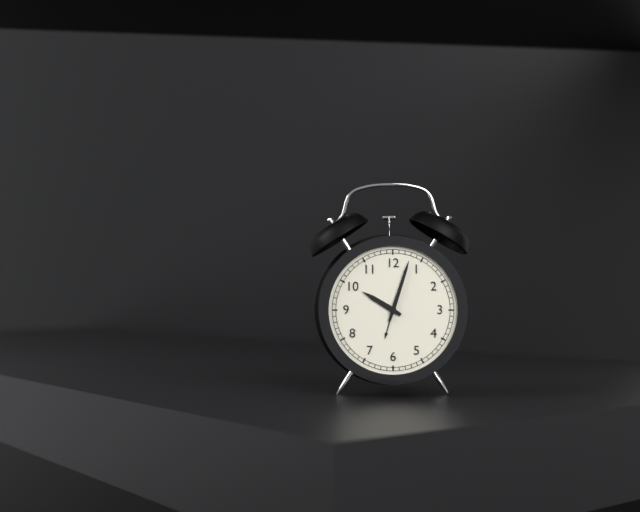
10:03
